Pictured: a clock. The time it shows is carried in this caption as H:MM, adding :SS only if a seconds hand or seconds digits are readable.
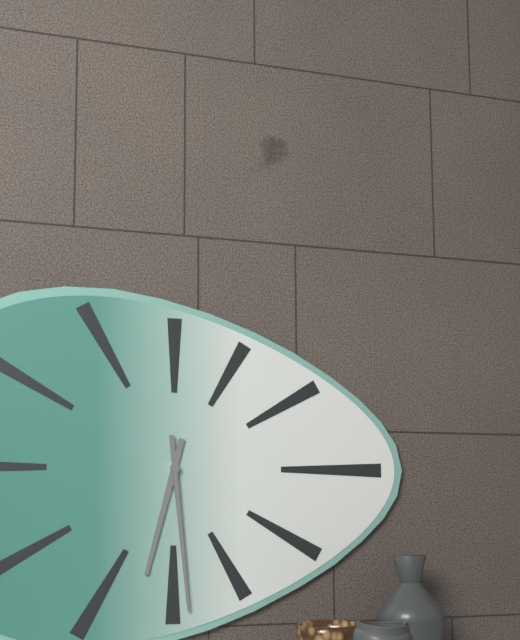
6:29
